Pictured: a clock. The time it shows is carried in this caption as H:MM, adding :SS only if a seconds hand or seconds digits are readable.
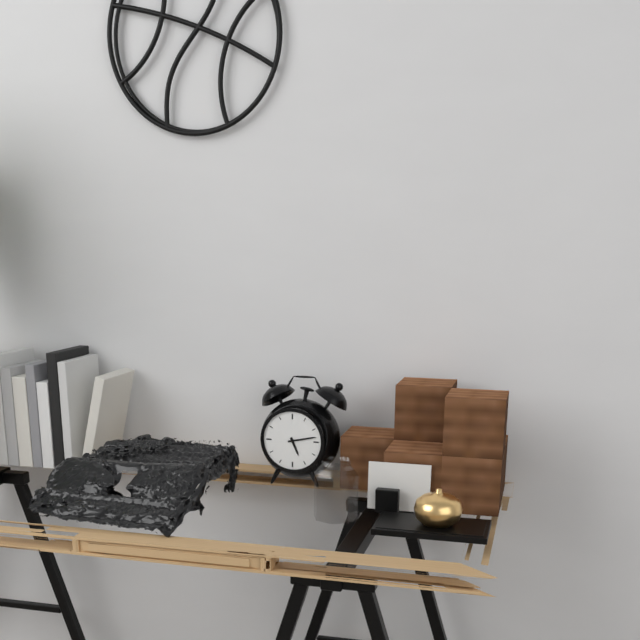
5:13
